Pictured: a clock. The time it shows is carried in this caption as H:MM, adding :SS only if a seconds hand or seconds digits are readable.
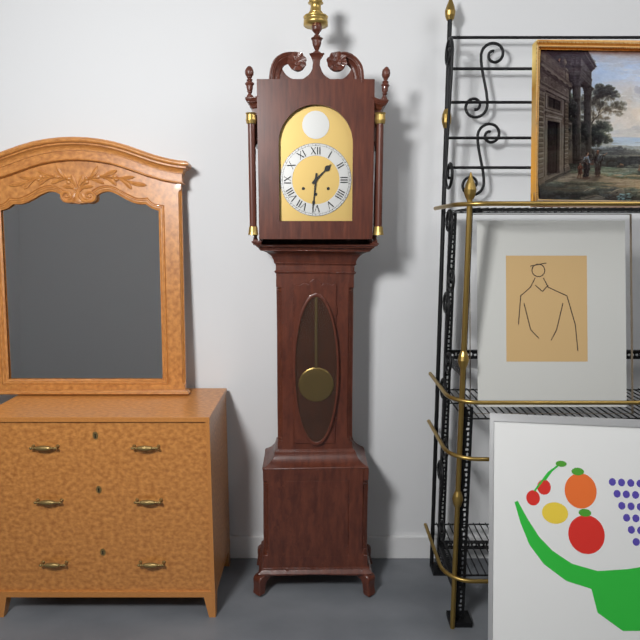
1:31
